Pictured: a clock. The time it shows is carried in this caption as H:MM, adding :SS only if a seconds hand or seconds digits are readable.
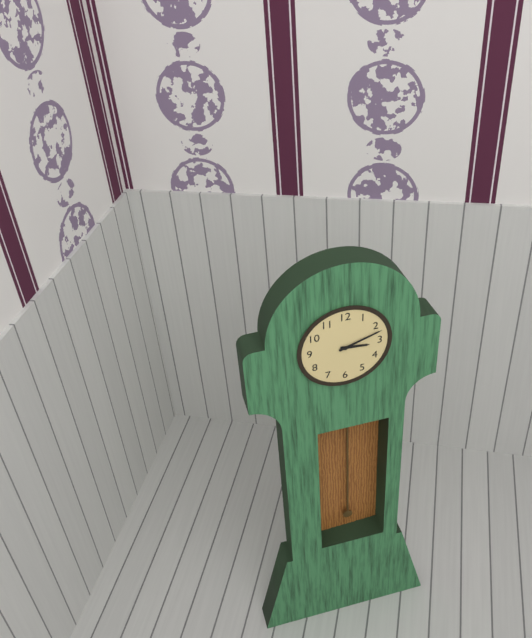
3:12
